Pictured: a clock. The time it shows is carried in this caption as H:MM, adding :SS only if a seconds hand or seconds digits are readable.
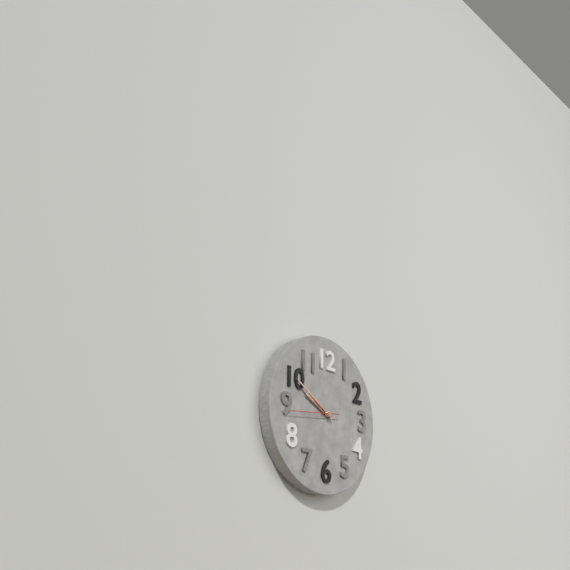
9:50:44
